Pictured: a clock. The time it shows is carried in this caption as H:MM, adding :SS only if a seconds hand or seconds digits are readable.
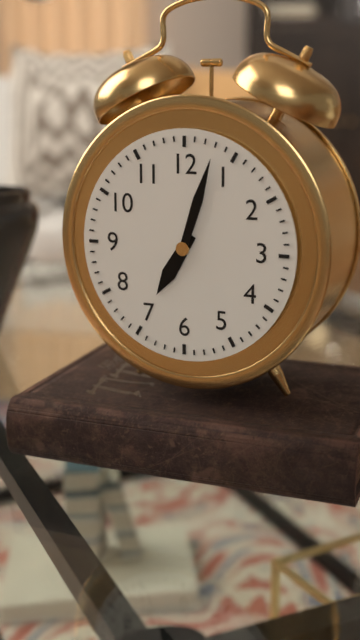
7:03
